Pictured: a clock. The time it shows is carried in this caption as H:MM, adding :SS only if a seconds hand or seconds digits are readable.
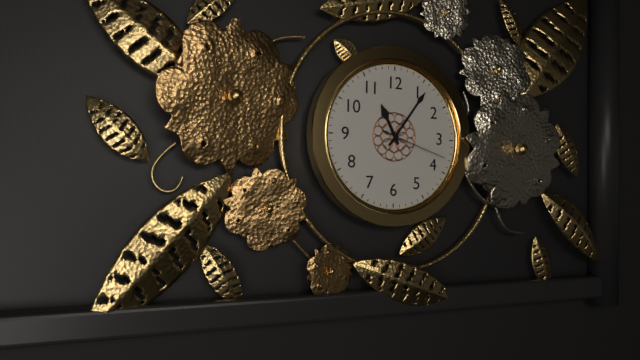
11:06:18
